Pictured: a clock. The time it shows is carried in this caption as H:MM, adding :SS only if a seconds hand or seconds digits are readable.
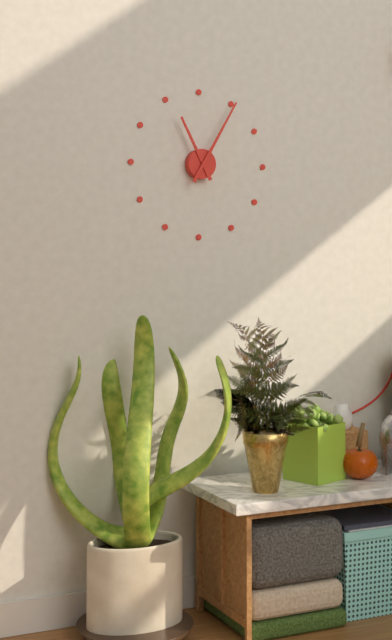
11:05
